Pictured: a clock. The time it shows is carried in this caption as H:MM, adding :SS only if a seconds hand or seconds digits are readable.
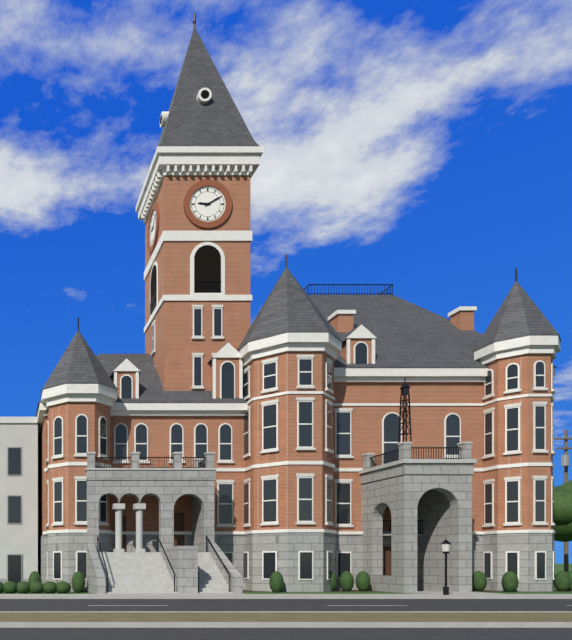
9:10
